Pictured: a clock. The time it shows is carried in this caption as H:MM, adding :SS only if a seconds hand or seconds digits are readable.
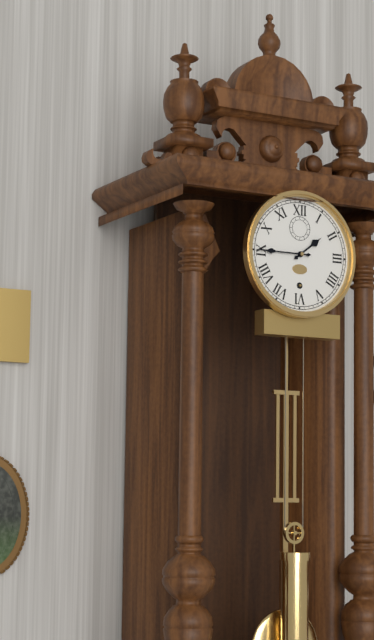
1:45
